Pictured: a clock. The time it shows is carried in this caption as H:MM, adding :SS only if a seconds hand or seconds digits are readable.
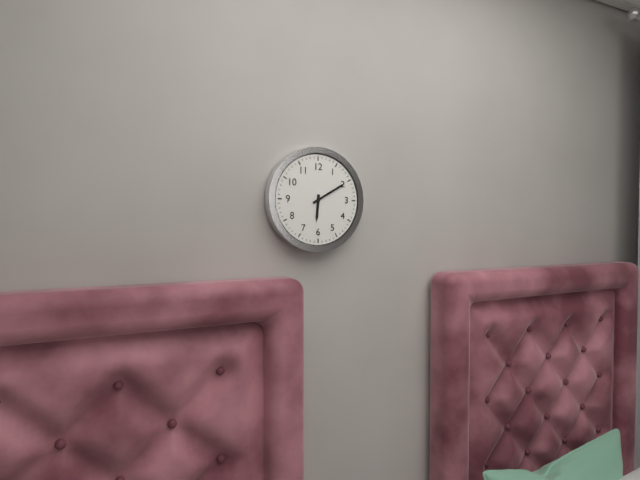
6:10
